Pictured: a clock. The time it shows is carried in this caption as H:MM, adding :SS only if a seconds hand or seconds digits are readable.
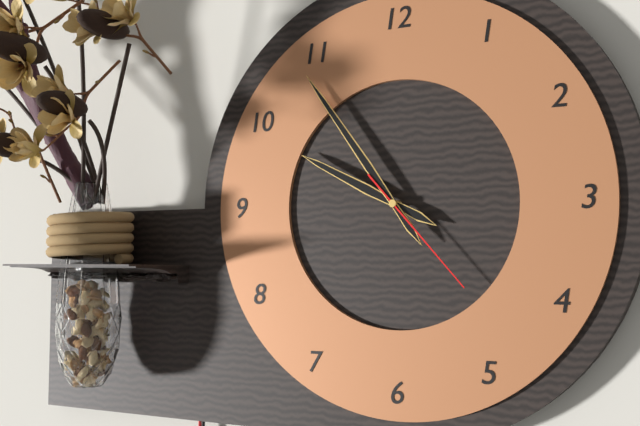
9:54:23
